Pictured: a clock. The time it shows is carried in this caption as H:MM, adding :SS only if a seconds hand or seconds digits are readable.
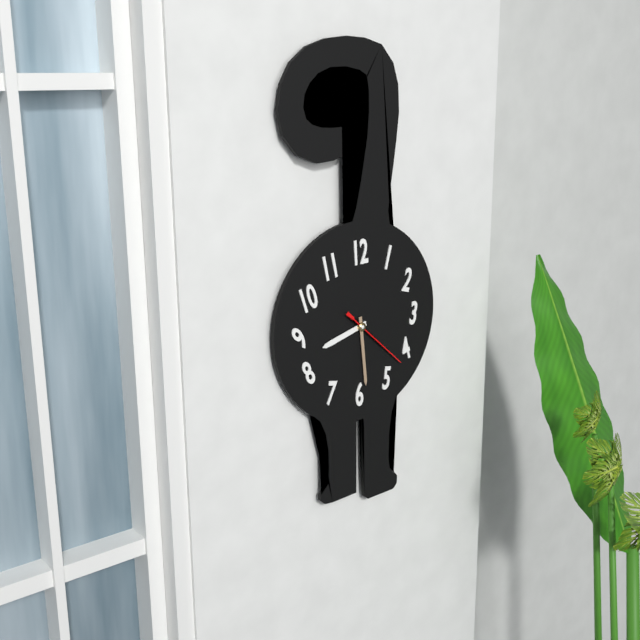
8:29:22
